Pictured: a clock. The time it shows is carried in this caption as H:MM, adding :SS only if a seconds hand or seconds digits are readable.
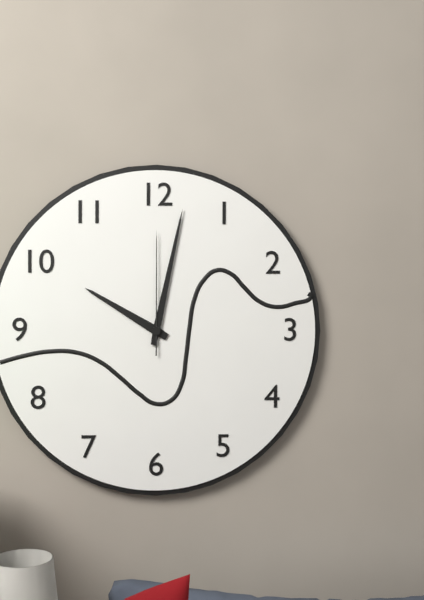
10:02:00
